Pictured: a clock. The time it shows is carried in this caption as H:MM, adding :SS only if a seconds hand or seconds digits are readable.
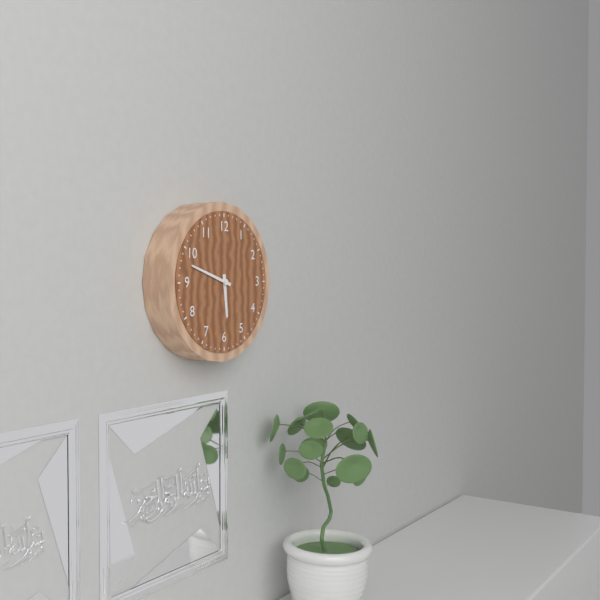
5:48
